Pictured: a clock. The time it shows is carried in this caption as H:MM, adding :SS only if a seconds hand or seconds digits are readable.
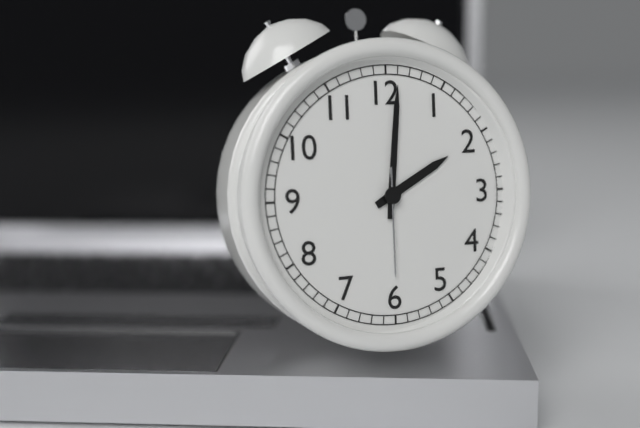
2:01:30
